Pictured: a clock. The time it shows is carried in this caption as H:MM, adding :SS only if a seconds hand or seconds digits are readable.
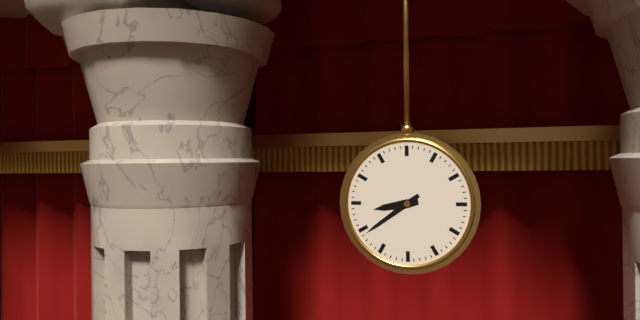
8:39
